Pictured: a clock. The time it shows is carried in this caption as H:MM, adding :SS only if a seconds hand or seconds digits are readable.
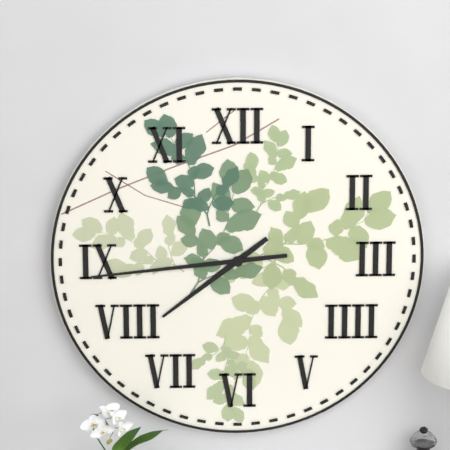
7:44
